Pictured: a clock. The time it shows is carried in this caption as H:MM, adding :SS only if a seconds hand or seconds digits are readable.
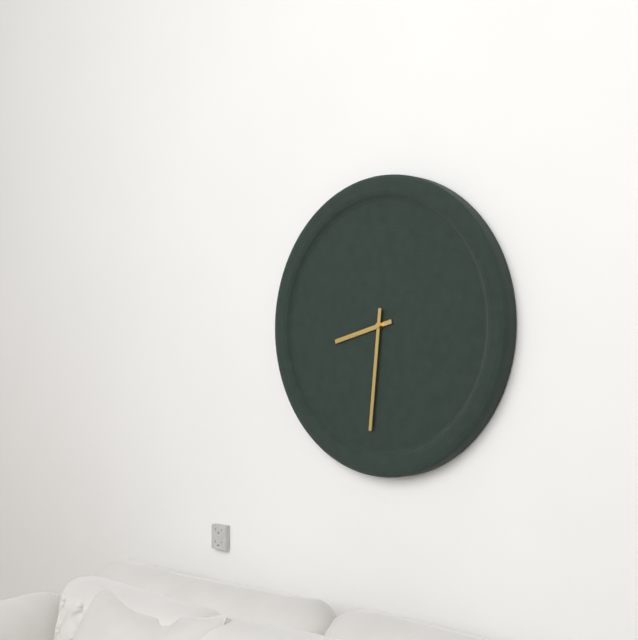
8:31
